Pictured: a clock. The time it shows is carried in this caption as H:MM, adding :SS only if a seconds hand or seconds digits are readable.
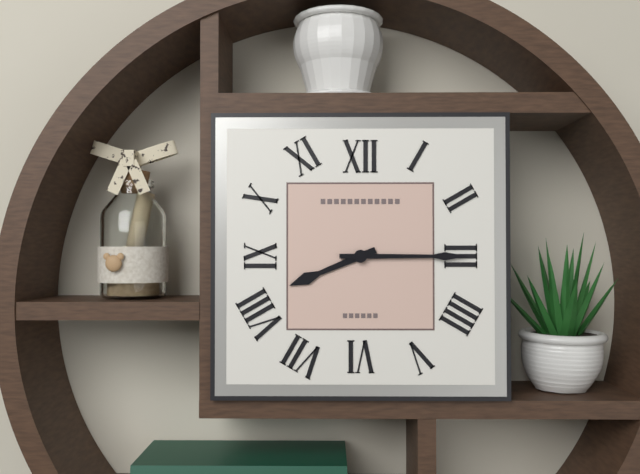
8:15
